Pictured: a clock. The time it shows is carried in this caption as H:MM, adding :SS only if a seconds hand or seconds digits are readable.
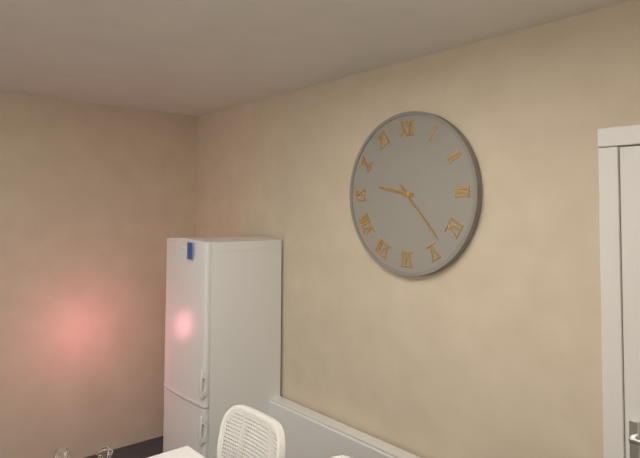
9:23
